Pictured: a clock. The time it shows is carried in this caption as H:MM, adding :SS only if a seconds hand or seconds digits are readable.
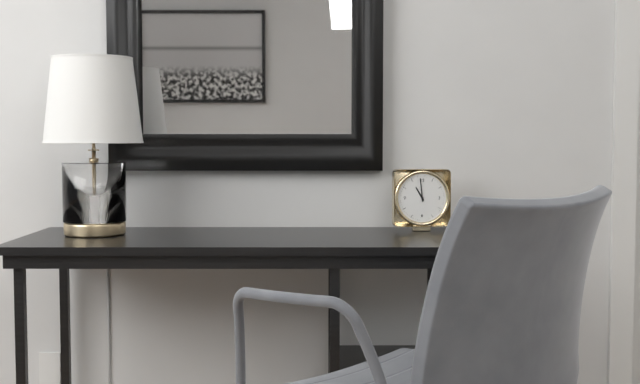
10:59
